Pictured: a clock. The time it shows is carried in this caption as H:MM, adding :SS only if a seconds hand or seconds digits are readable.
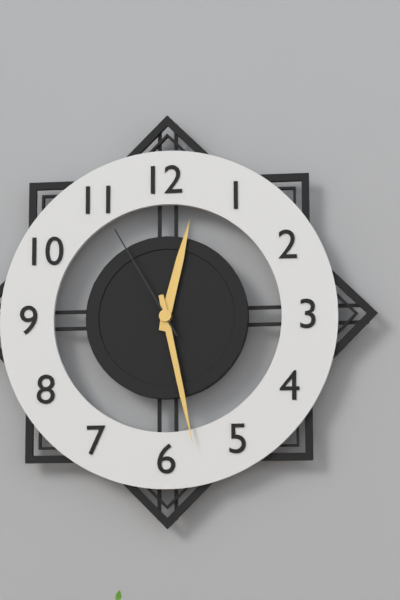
12:28:55
